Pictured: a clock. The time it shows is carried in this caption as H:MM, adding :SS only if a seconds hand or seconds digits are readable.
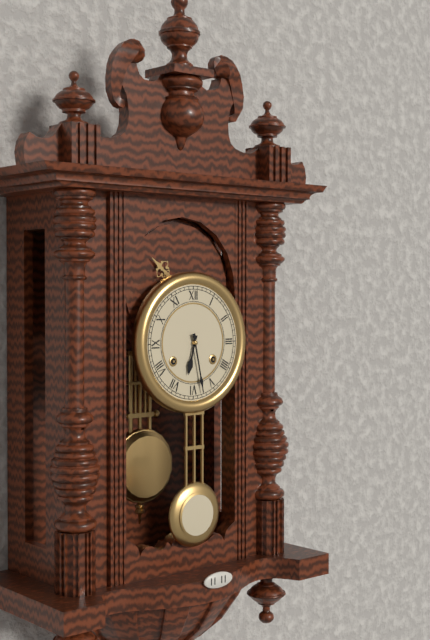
6:28
